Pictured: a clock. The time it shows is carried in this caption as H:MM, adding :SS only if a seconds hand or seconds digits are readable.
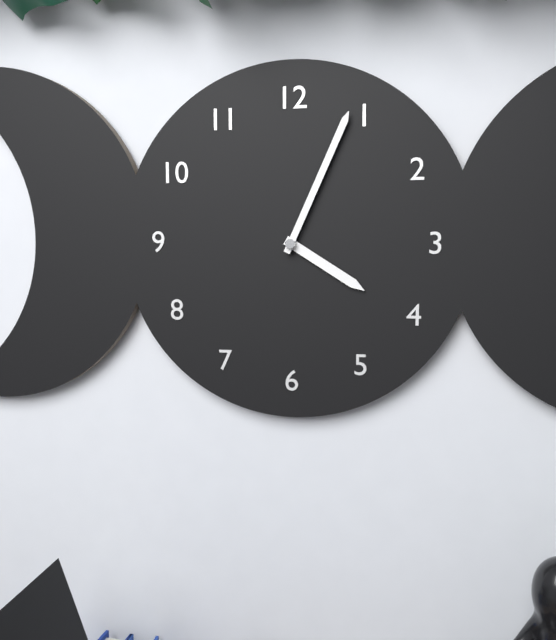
4:04
